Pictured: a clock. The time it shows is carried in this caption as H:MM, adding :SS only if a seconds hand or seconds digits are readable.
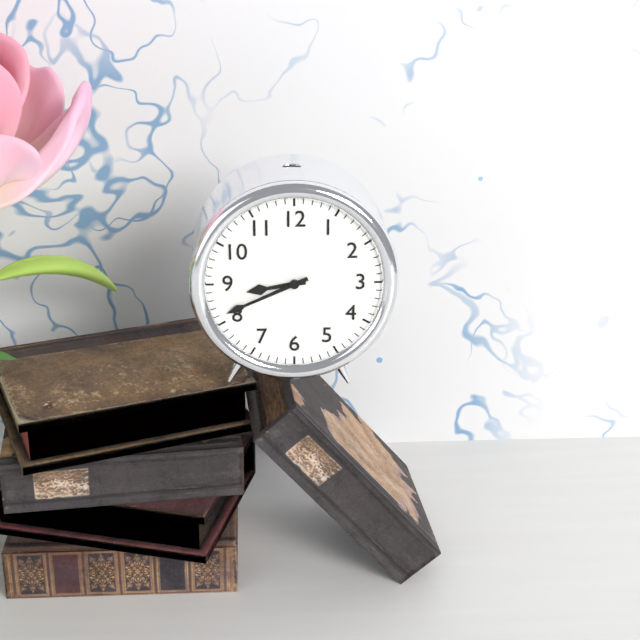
8:41
